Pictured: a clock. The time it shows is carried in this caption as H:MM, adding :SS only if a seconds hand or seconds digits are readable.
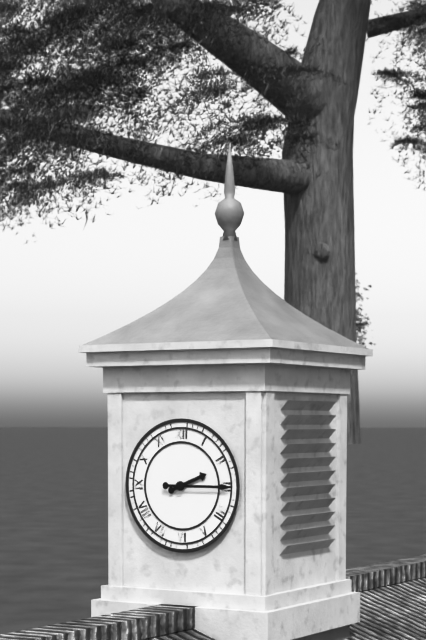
2:15
